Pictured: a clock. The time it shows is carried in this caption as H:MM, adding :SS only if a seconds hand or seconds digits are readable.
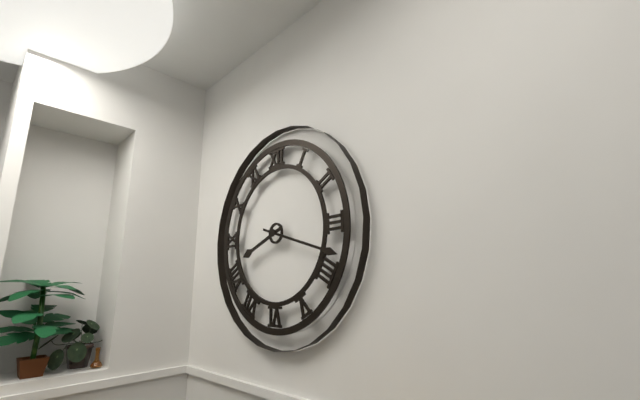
8:18
